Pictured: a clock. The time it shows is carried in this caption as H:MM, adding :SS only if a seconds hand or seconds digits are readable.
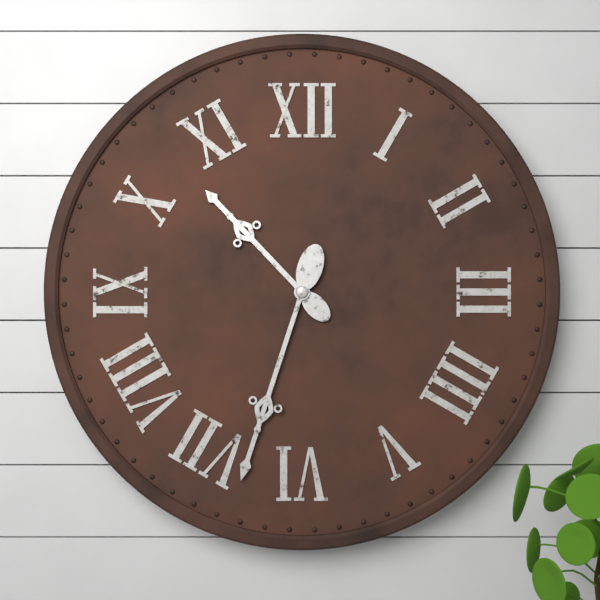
10:33
